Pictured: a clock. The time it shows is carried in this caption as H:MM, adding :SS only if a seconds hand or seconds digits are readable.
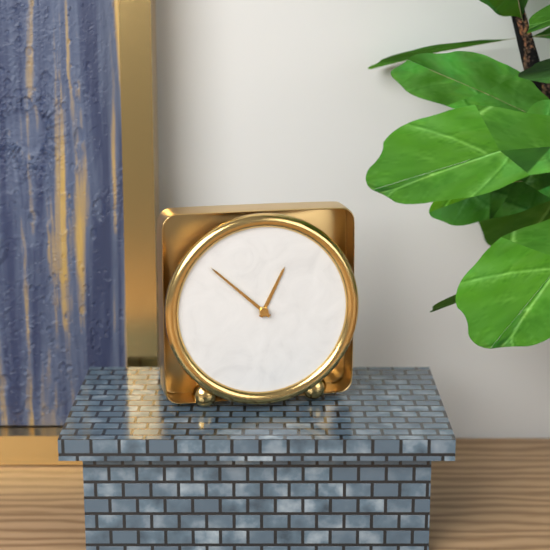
12:52
